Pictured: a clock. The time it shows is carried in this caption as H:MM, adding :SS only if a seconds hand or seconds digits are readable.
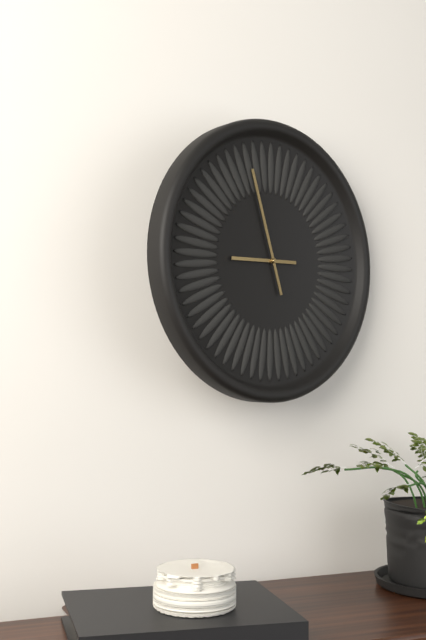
8:57
